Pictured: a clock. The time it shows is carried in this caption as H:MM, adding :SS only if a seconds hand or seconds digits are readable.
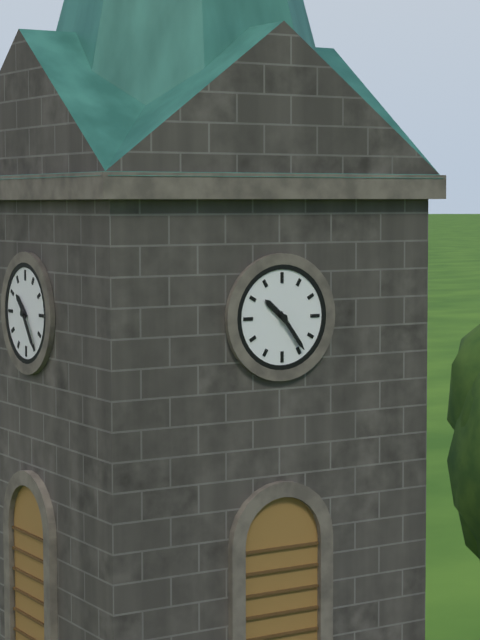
10:24
